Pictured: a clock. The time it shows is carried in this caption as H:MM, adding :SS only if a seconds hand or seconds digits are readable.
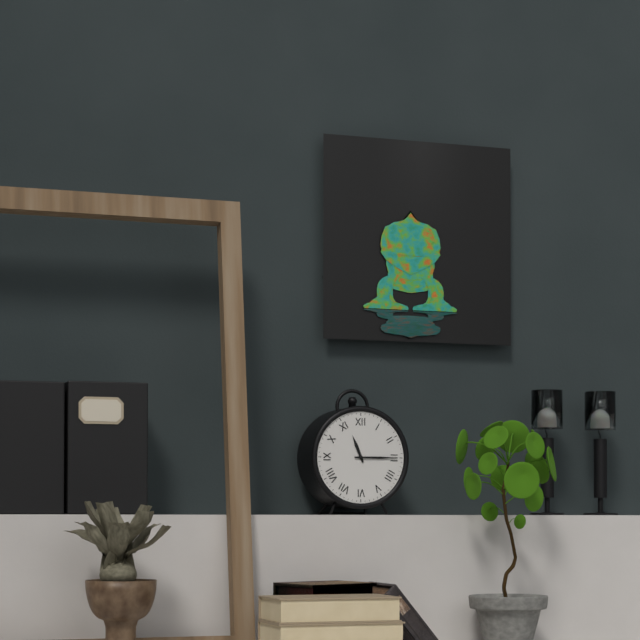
11:15
